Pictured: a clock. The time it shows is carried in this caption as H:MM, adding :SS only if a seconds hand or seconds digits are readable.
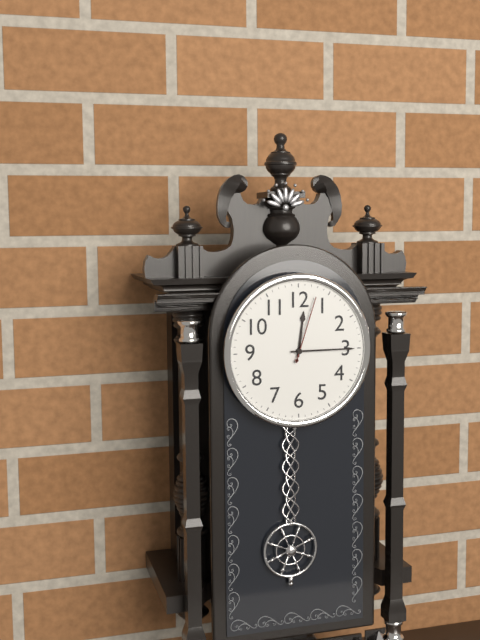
12:15:03
